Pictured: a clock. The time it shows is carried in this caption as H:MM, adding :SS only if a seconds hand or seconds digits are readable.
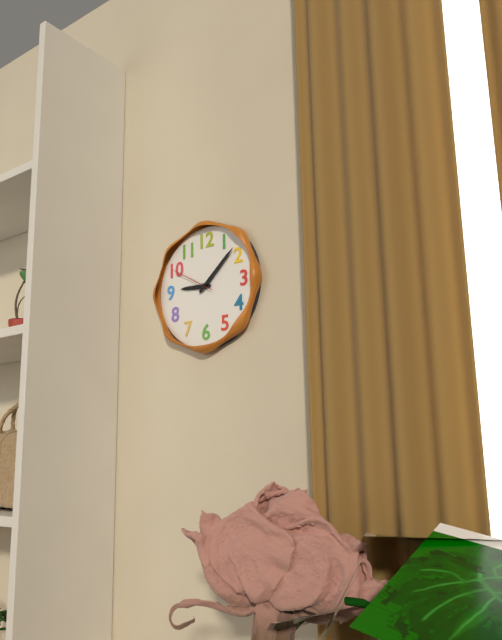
9:08
